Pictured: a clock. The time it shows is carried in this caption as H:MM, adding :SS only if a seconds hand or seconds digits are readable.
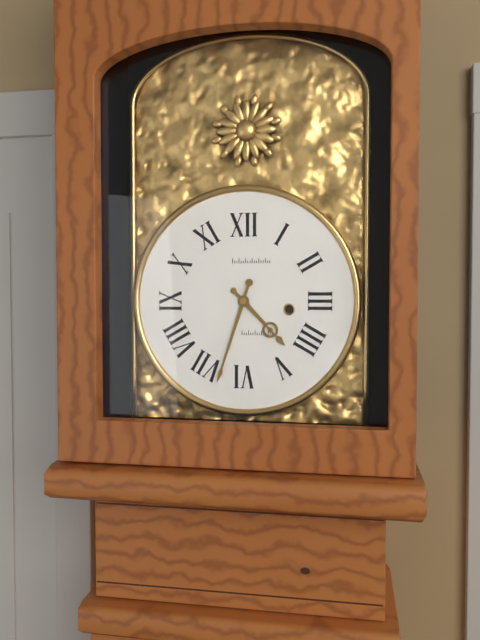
4:33
